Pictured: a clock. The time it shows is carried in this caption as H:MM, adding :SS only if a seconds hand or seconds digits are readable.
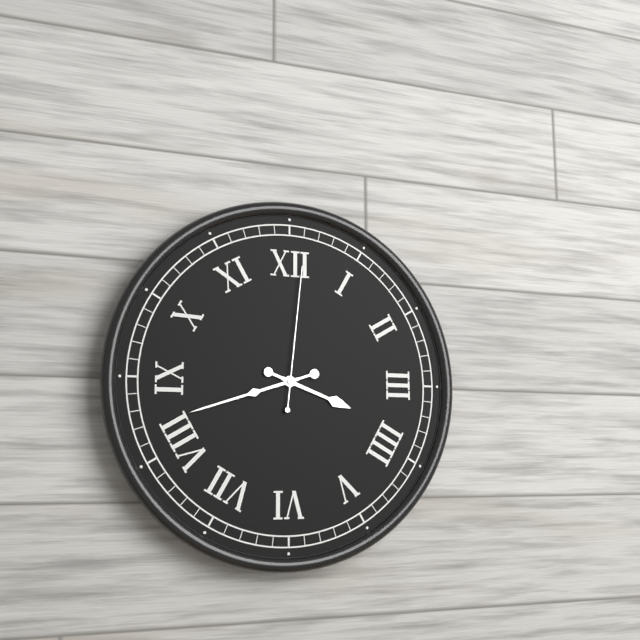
3:42:01
